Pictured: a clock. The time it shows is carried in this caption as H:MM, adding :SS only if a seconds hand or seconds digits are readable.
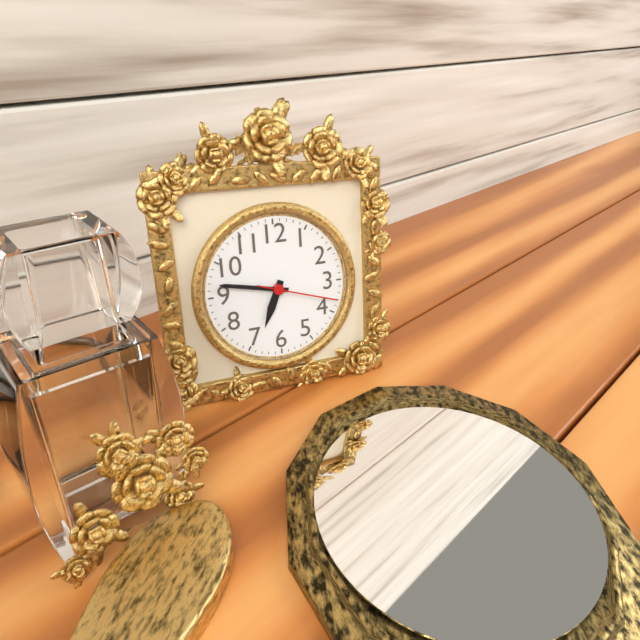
6:47:18
